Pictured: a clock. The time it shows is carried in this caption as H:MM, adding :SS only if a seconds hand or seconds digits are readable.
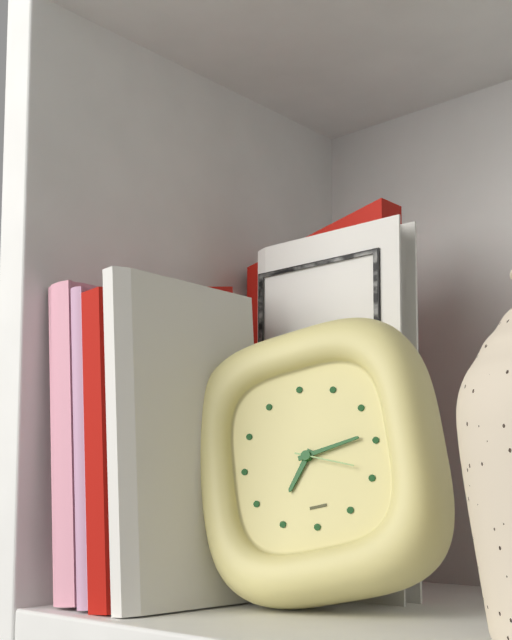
7:14:19
